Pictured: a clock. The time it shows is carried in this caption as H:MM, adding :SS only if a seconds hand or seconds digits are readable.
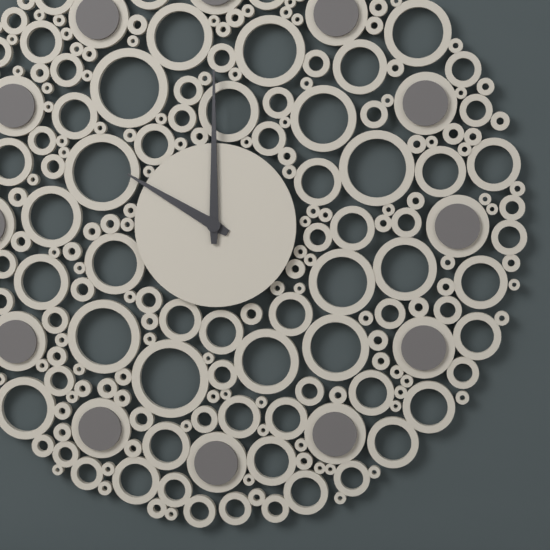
10:00
